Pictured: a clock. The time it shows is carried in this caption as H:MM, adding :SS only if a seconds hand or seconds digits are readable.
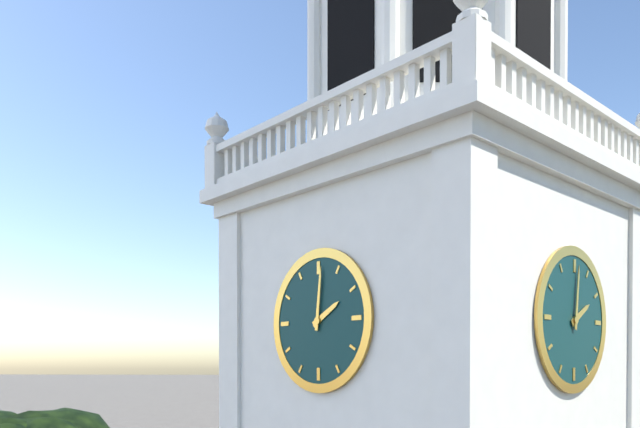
2:01
